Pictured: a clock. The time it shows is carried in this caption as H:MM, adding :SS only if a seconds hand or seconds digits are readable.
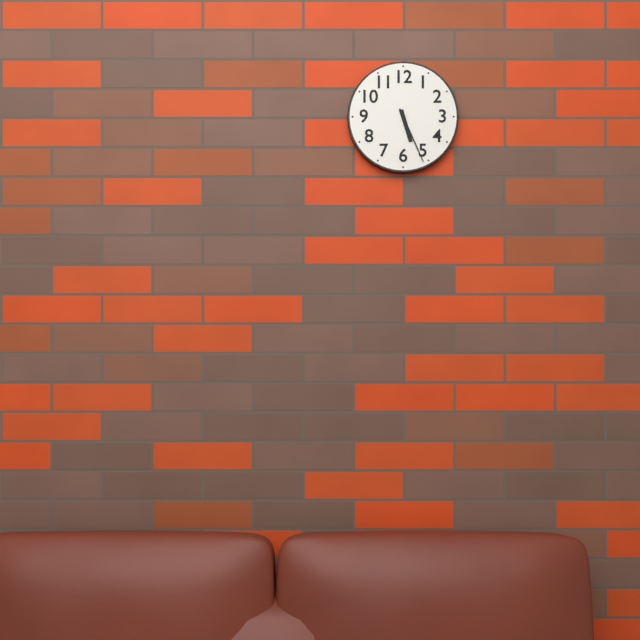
5:26
